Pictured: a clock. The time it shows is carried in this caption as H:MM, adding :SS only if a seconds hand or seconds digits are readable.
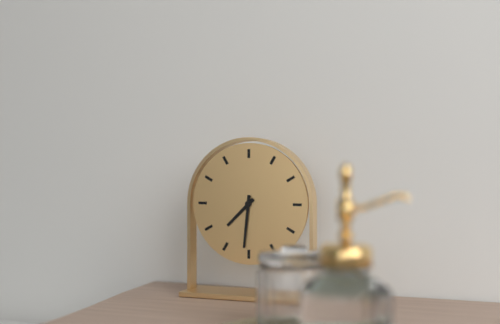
7:31
